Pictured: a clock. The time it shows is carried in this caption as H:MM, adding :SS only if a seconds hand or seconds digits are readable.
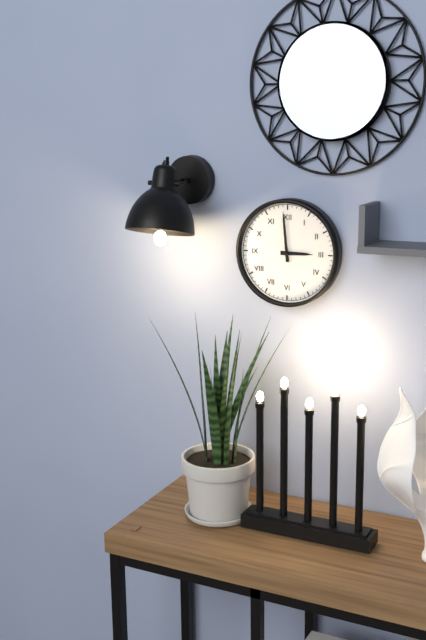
2:59
